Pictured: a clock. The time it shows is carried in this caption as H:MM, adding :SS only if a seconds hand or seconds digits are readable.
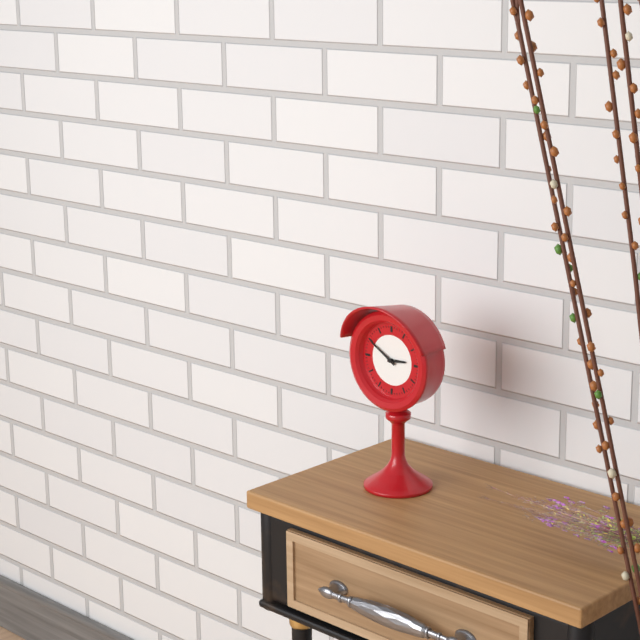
2:50
